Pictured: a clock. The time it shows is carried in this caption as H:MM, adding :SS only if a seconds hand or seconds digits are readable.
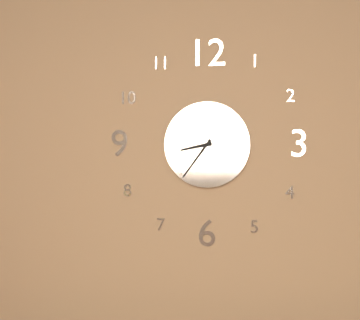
8:36
